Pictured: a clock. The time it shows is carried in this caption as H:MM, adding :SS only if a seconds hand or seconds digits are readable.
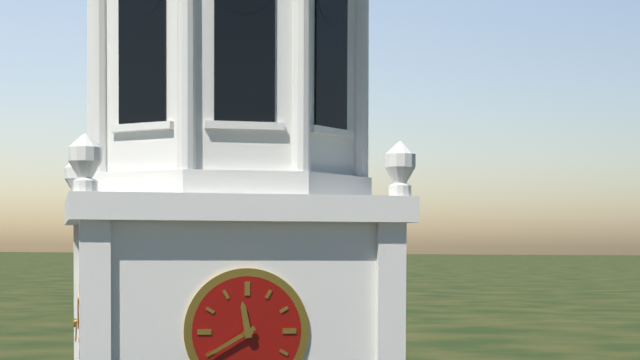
11:40
